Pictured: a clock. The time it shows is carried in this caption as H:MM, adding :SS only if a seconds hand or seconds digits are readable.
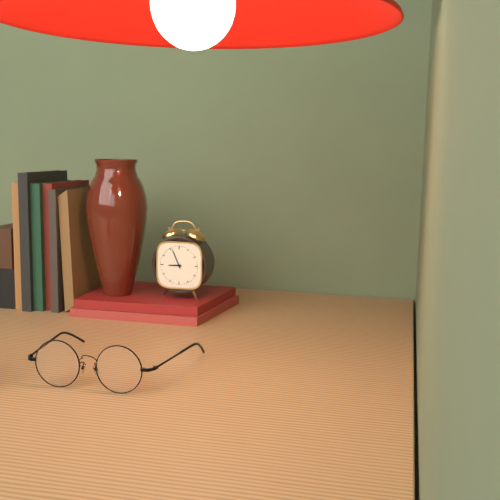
8:56
